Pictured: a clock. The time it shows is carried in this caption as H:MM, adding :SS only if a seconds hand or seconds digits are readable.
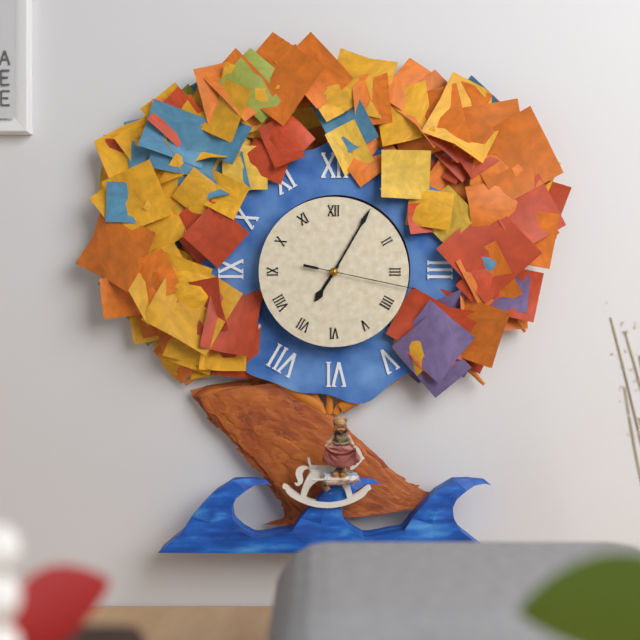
7:05:17
